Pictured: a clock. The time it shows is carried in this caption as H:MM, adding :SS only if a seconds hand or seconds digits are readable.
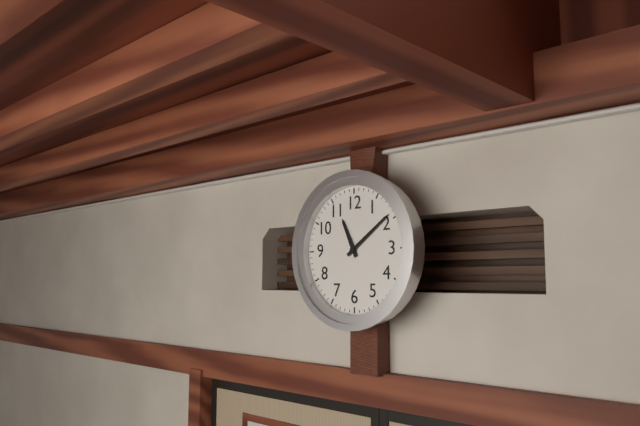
11:09
